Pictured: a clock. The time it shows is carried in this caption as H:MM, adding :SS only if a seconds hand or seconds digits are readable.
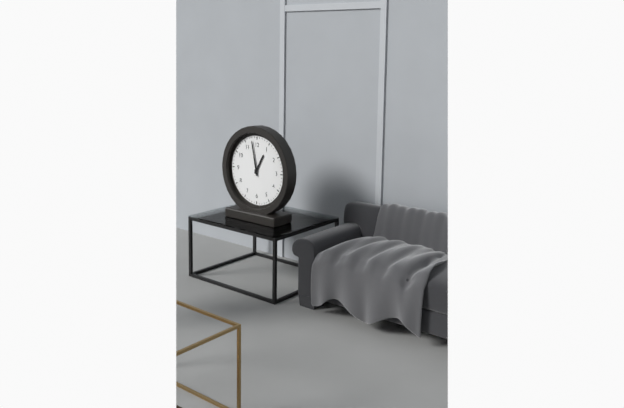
12:58
